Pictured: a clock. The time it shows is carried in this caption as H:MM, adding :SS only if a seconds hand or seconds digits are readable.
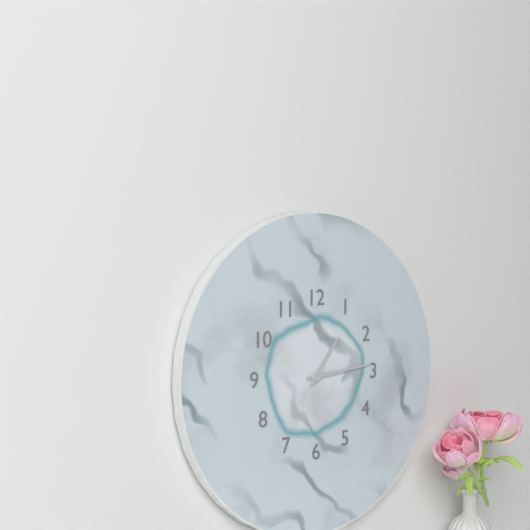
1:14
